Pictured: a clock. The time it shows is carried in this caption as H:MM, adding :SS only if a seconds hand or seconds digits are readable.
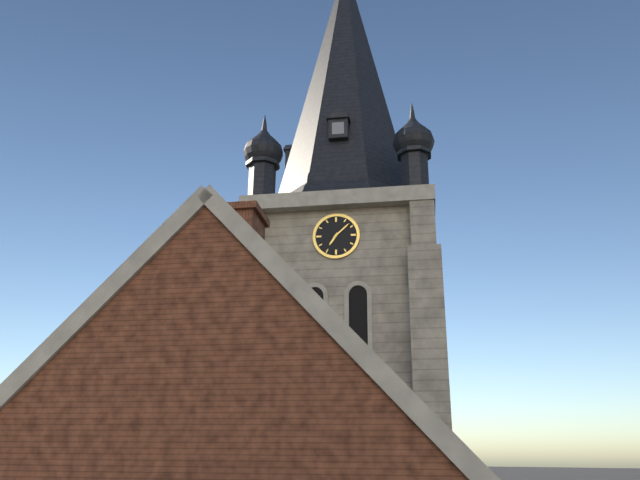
7:08
